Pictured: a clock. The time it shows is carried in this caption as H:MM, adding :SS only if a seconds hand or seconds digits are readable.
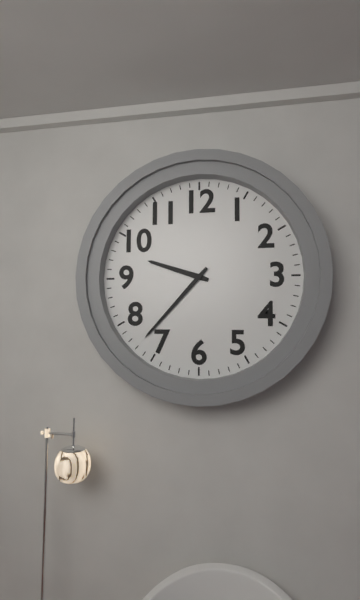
9:37
